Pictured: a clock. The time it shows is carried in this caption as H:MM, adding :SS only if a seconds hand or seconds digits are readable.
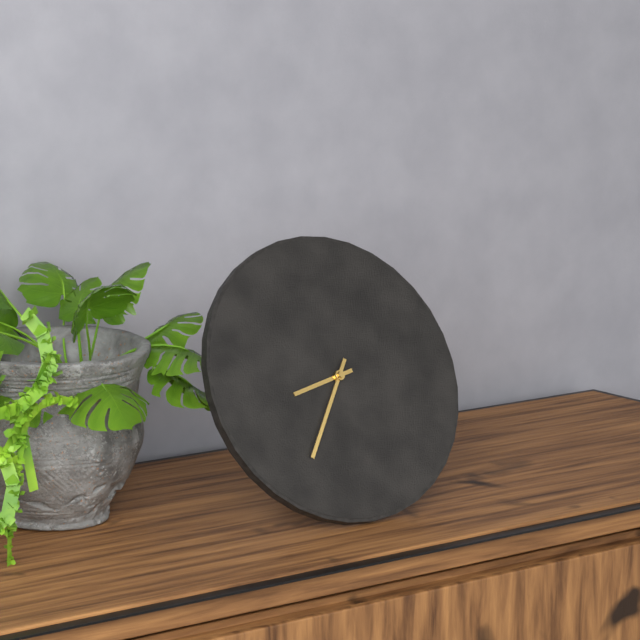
8:36
